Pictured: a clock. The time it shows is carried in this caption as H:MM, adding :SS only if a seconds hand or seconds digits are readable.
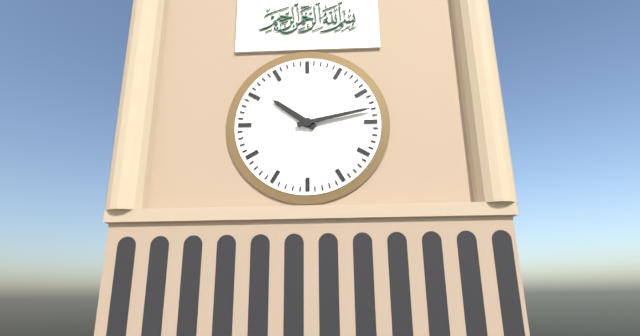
10:13
